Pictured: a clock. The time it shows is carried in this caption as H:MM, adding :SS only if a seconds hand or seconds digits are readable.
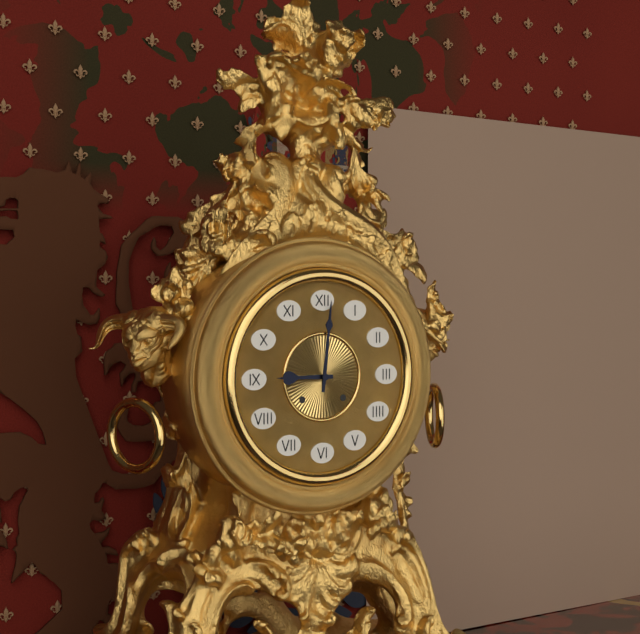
9:01
